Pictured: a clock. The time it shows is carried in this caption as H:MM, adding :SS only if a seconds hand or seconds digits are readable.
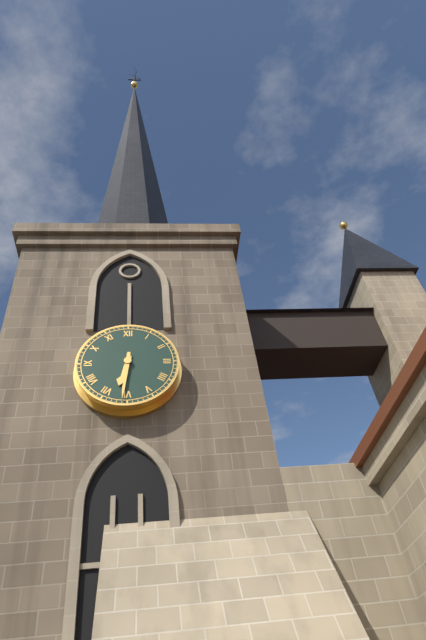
6:31
